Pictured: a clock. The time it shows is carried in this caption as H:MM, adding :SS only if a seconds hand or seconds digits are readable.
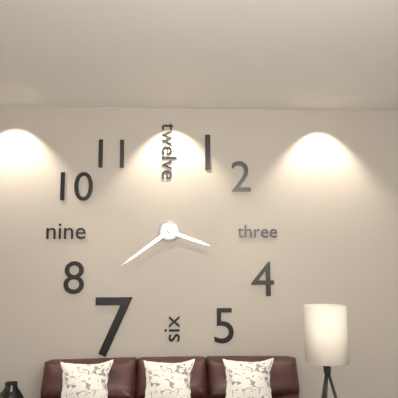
3:39
